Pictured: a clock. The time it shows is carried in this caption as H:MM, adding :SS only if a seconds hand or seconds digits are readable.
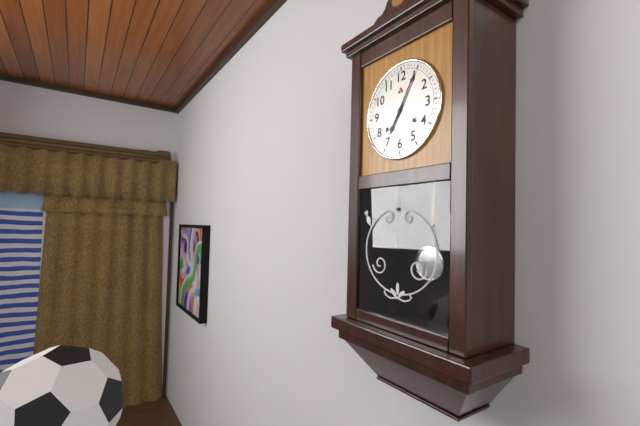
7:05
